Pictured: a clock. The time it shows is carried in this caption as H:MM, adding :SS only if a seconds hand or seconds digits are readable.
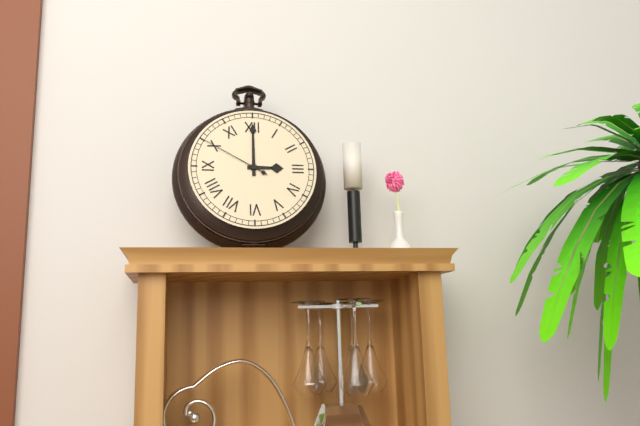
3:00:50
